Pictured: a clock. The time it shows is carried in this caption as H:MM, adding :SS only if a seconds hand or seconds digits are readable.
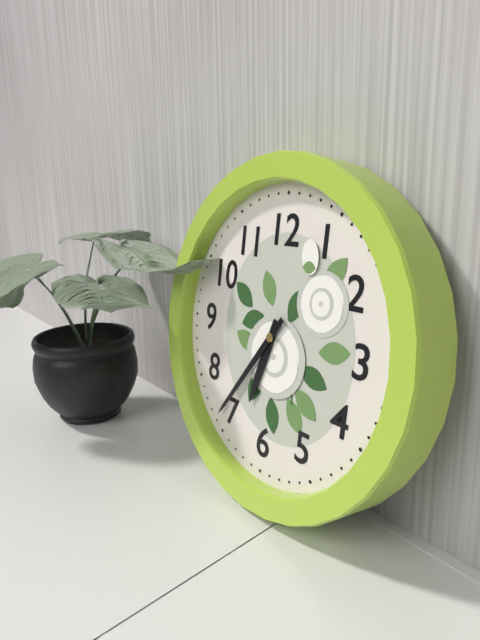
6:36
